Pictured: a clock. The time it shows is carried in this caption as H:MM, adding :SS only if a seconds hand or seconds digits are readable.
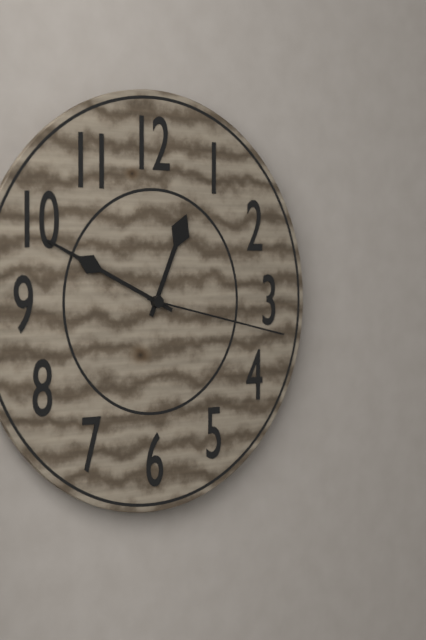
12:49:17
